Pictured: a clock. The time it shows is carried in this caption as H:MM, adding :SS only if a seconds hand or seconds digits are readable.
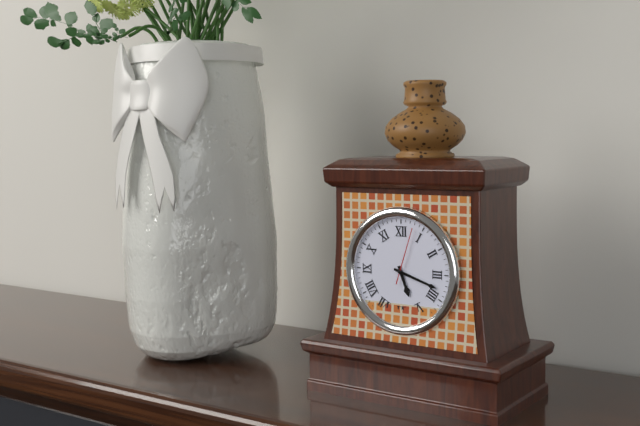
5:18:03
